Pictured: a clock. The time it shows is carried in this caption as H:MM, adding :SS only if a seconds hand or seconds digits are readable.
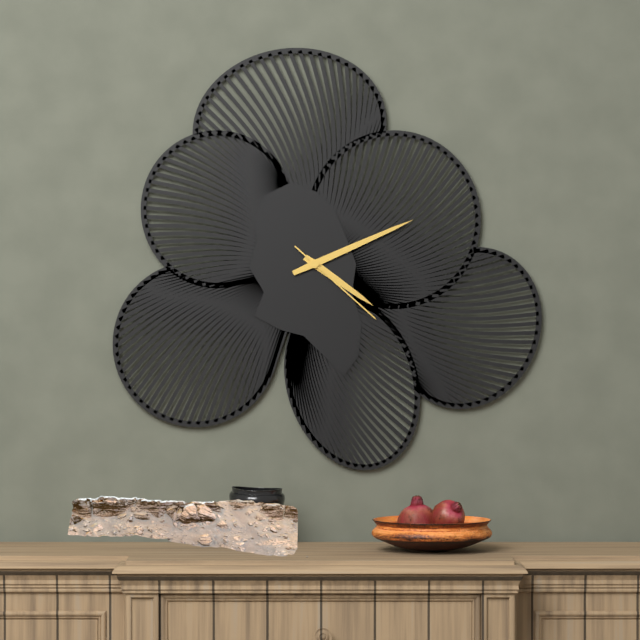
4:11:22
